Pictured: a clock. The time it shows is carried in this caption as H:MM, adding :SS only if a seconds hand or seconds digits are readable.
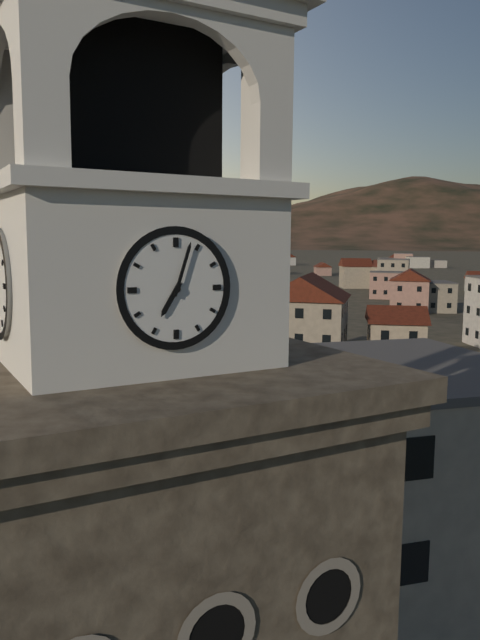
7:03
